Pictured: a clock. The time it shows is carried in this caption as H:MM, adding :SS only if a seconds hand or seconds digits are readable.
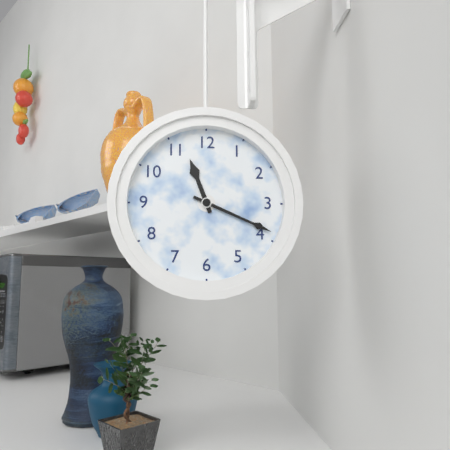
11:19
